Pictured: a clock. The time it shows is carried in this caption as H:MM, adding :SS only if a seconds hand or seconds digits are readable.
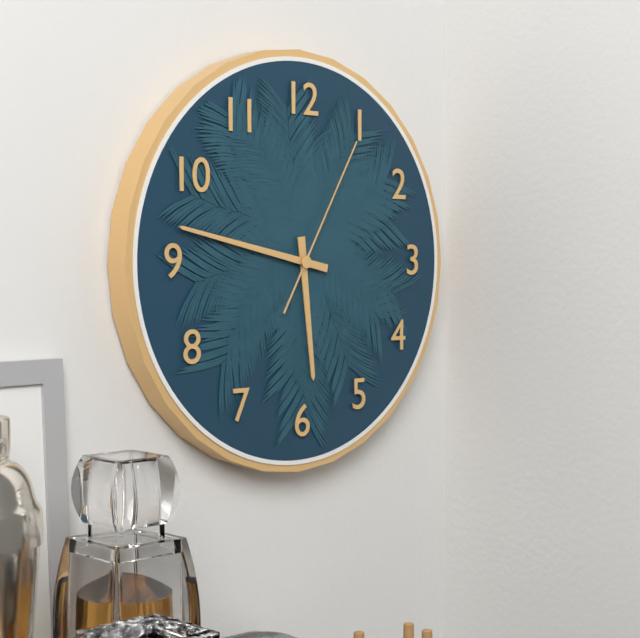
5:47:05
